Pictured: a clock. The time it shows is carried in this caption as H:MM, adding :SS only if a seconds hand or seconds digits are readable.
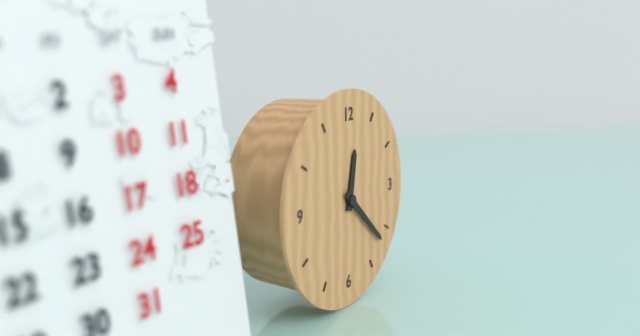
12:22
